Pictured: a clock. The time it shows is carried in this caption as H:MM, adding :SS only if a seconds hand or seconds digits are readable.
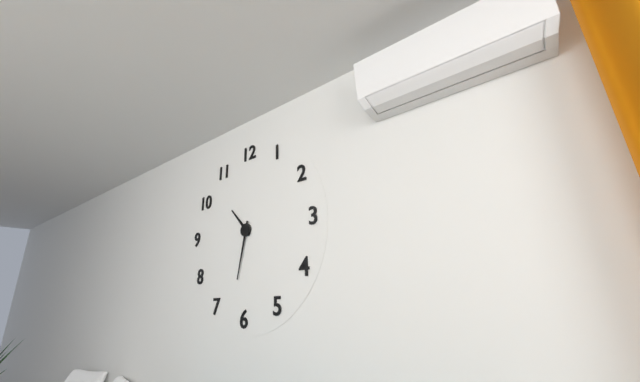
10:32
